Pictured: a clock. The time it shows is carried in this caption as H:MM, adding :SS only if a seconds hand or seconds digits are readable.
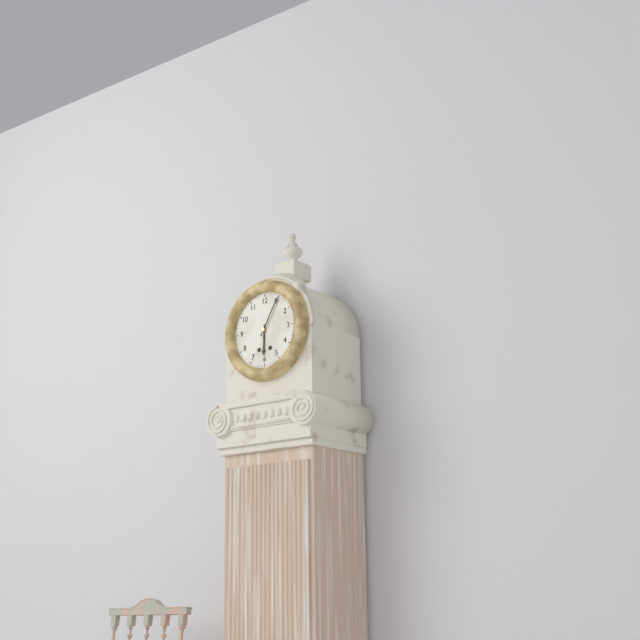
6:05
